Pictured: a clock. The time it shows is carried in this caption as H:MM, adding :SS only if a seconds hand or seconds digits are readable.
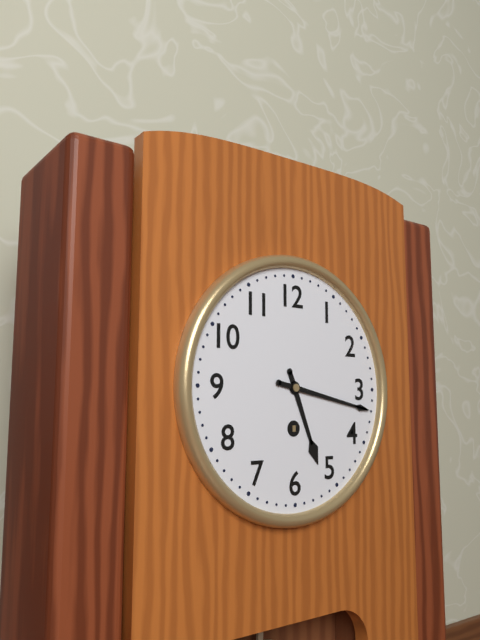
5:17
